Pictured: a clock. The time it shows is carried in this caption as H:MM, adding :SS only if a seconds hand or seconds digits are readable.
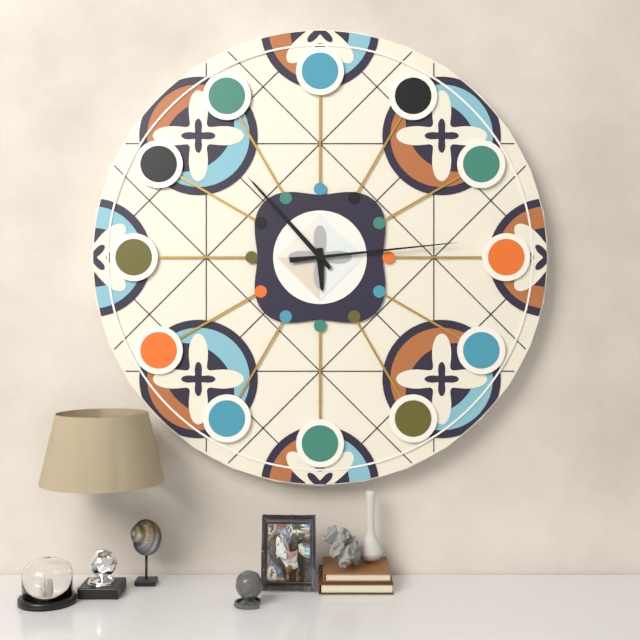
5:53:14
